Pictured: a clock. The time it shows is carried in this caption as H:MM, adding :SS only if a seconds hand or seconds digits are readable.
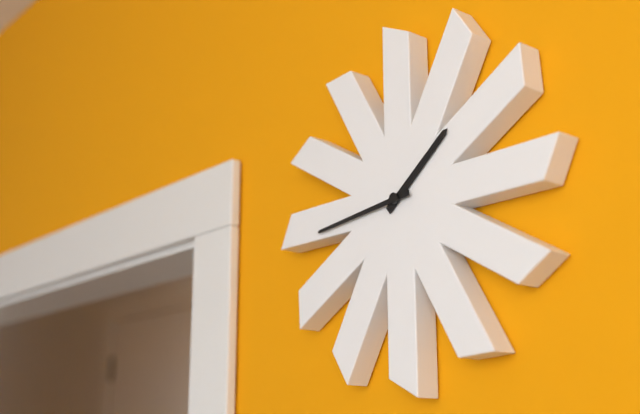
1:44
